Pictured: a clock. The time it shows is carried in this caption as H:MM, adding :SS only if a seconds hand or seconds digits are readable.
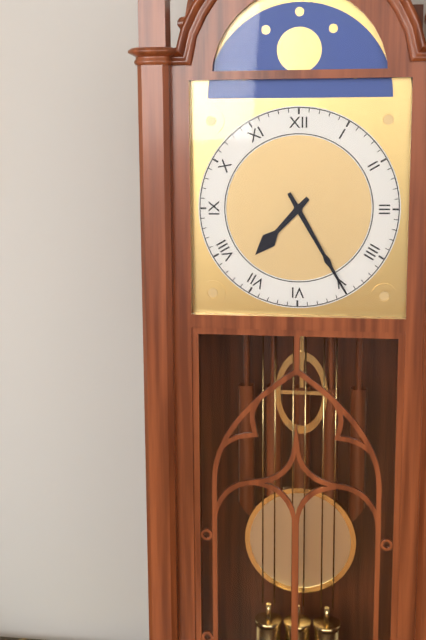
7:25
